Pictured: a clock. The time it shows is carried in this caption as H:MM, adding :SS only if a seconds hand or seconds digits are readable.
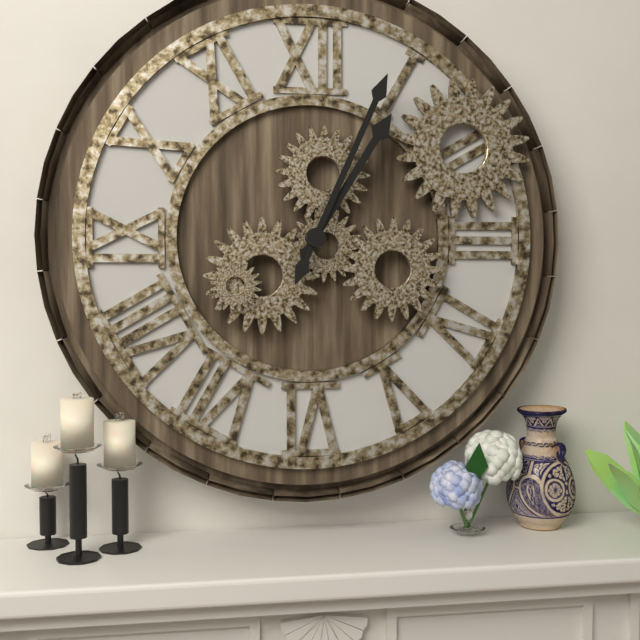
1:04
